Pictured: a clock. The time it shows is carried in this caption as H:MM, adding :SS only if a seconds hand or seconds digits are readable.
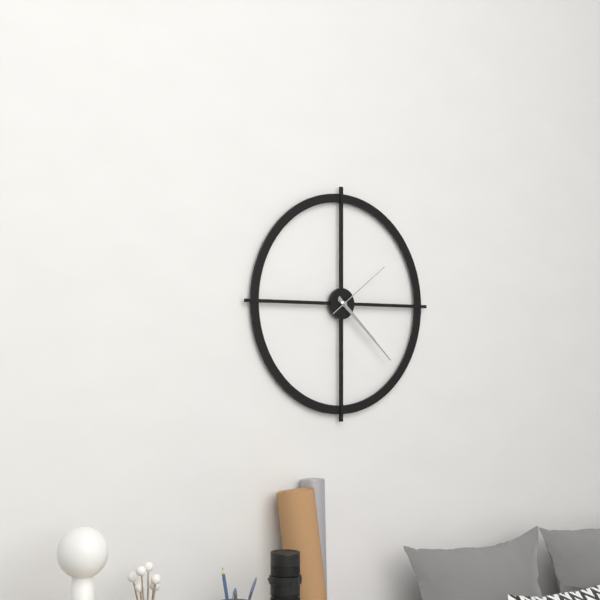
4:22:09
